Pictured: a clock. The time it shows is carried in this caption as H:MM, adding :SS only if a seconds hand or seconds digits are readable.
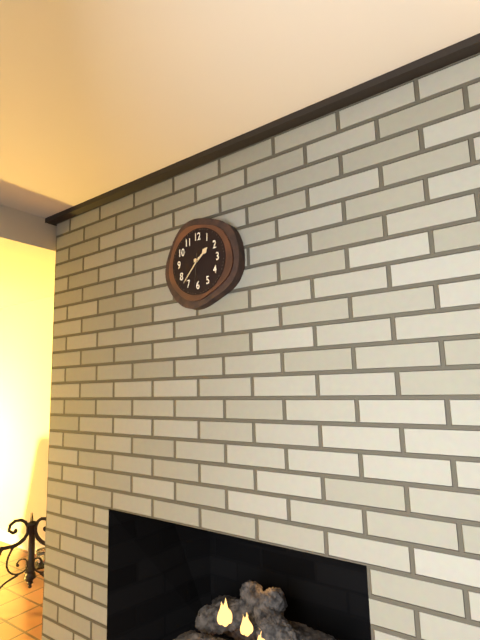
1:37
